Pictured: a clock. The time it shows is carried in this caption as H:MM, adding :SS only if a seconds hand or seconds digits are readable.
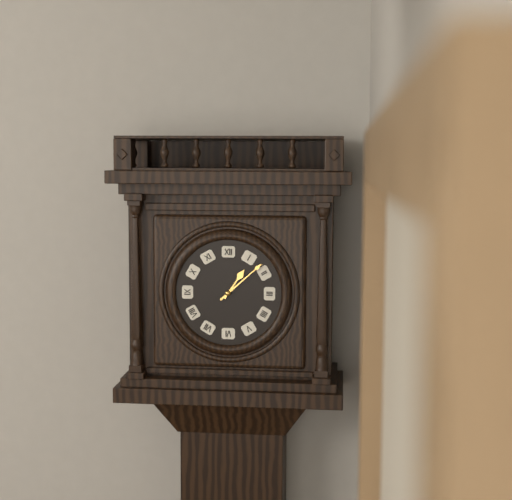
1:08
